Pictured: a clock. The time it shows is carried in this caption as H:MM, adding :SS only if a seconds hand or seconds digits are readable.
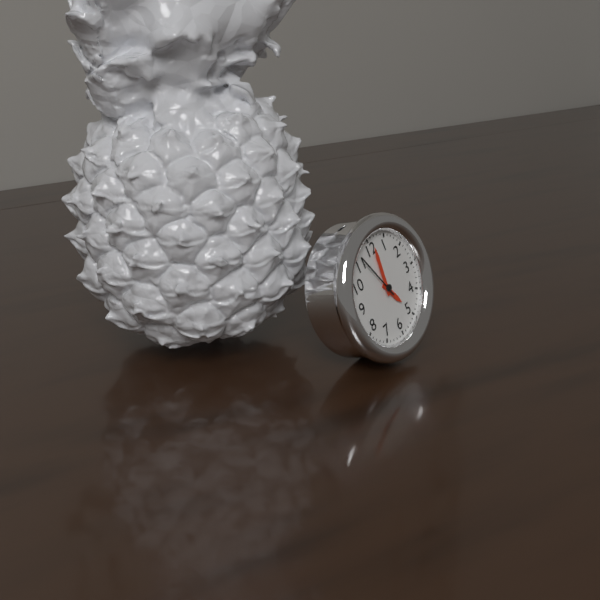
5:01
